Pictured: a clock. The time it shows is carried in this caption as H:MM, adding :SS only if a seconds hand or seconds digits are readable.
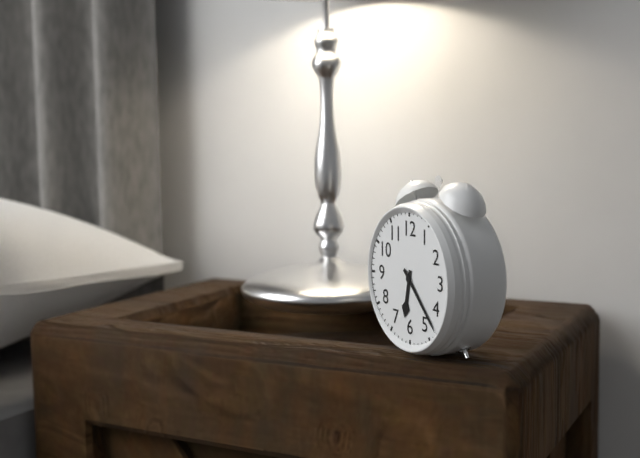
6:23
